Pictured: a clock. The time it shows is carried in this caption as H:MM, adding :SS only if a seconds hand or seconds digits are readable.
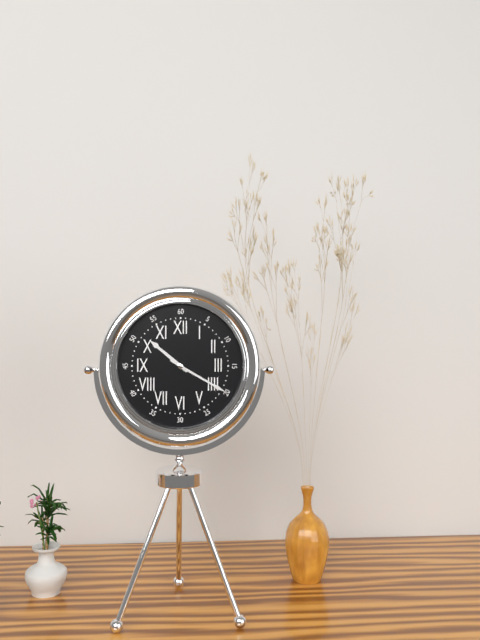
10:20
